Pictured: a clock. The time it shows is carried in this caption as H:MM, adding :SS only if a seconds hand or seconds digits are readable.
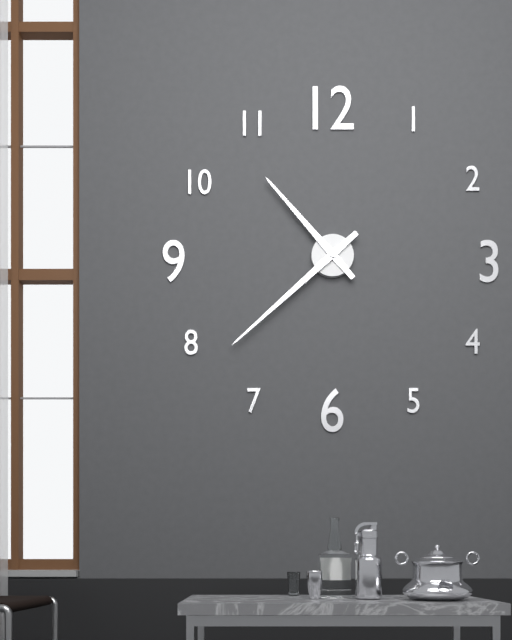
10:38
